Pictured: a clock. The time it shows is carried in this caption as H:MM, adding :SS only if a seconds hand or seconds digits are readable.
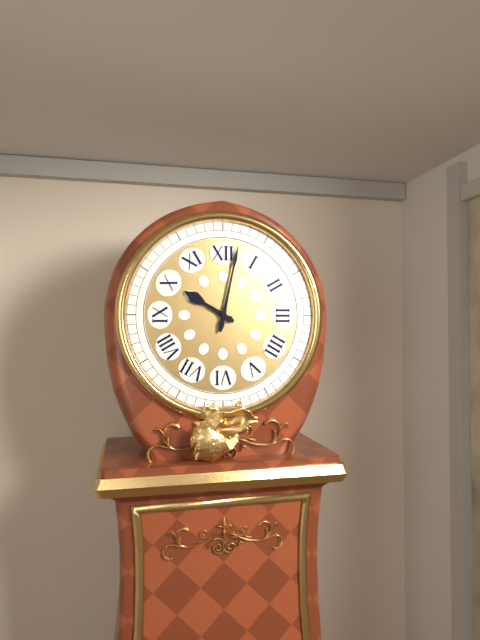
10:02
